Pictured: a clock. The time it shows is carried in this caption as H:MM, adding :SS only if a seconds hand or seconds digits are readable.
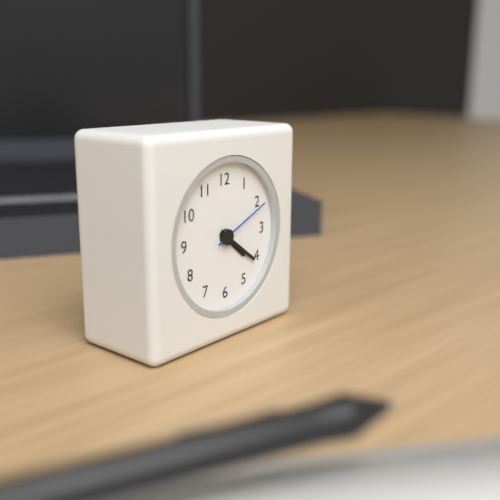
4:21:11
